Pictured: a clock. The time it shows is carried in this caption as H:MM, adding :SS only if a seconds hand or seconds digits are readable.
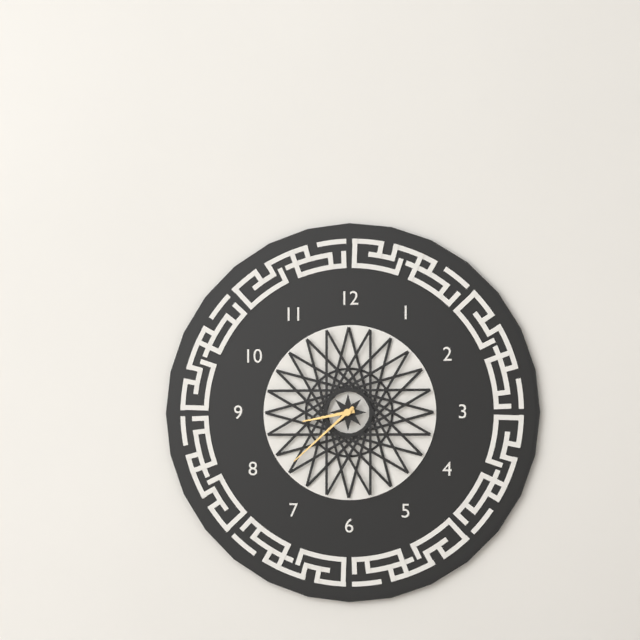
8:38
